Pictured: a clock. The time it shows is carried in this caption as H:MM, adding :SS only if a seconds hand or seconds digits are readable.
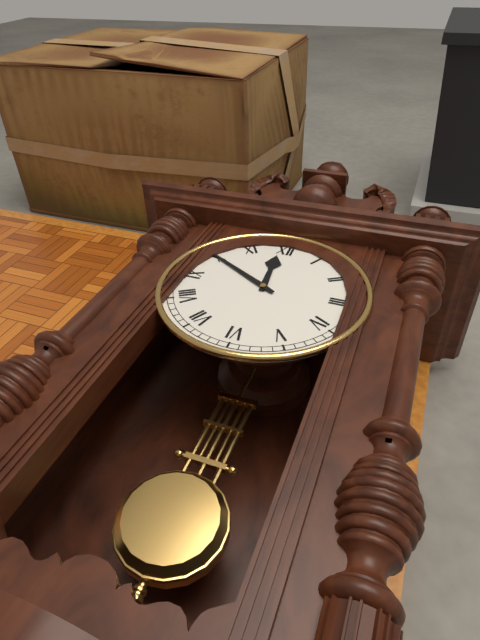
11:50
